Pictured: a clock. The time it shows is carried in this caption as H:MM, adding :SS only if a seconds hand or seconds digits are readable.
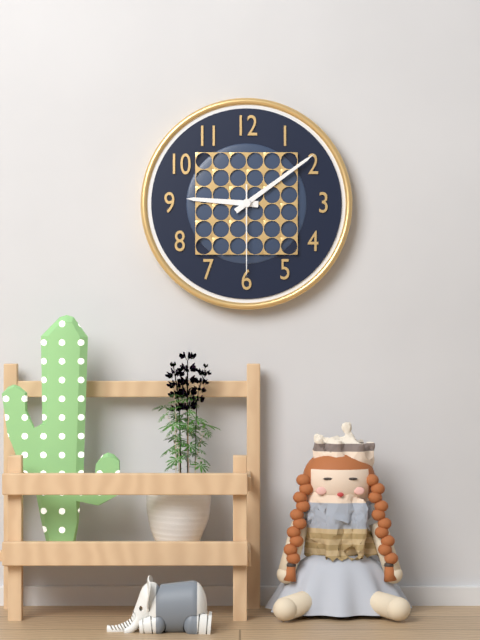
9:09:30
